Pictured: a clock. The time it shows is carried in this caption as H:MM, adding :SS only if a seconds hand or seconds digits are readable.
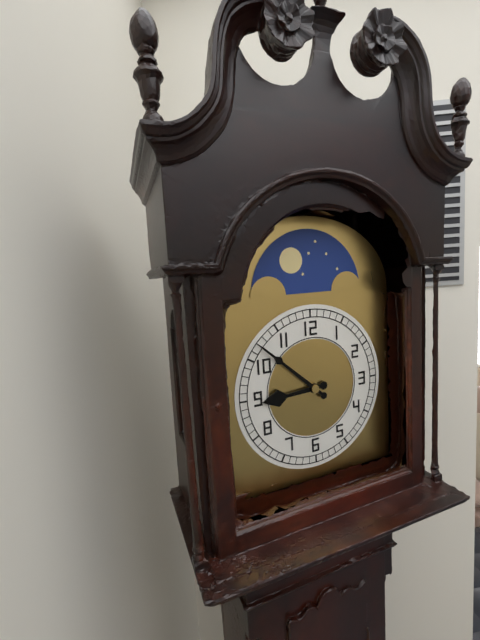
8:52
